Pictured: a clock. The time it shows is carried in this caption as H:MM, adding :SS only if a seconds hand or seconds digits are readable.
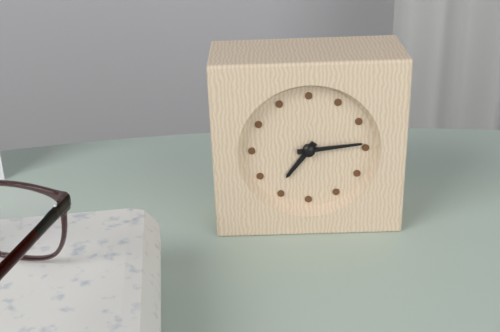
7:14
